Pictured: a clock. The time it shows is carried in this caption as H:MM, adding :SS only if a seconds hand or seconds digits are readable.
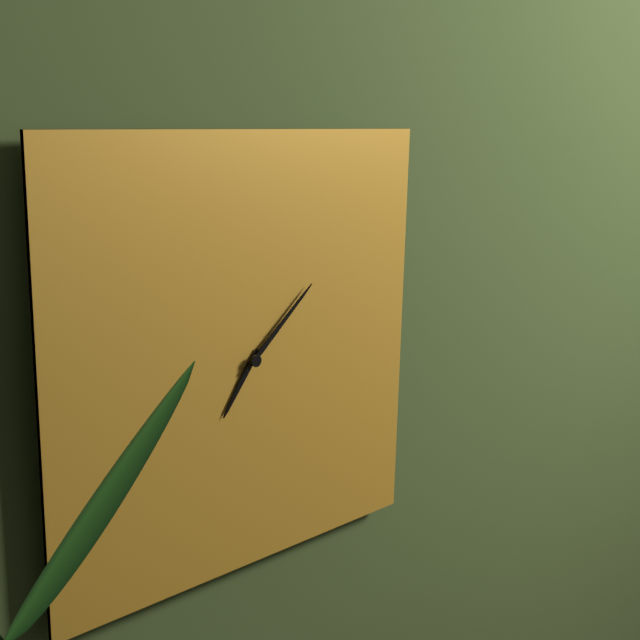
7:08
